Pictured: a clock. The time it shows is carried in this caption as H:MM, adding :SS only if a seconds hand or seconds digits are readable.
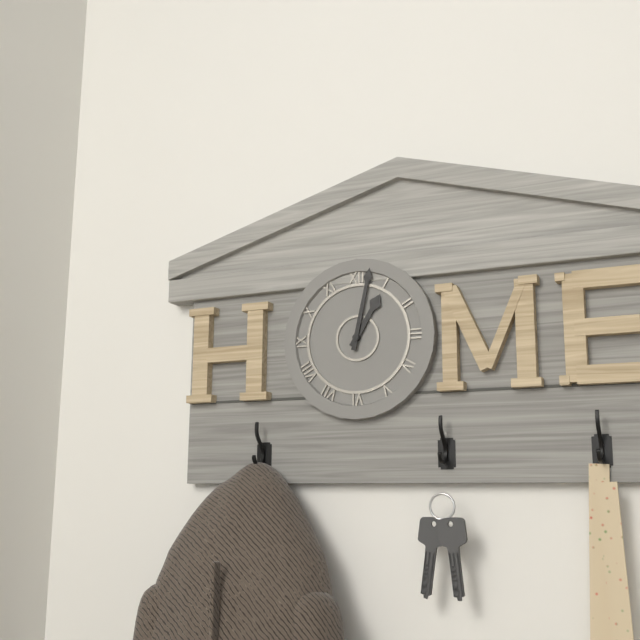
1:02
